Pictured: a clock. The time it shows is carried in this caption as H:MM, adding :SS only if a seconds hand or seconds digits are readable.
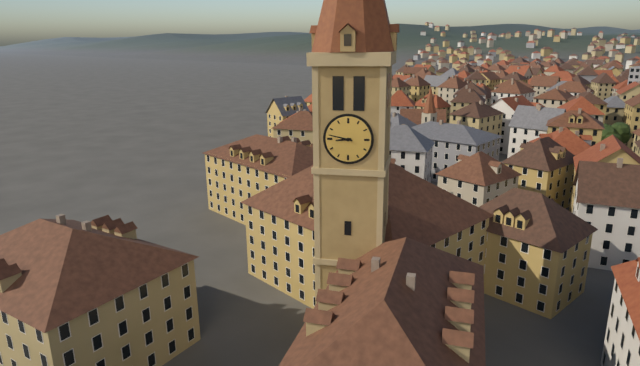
8:47
